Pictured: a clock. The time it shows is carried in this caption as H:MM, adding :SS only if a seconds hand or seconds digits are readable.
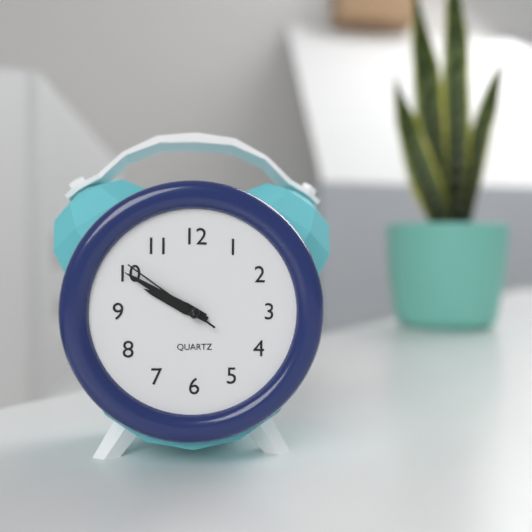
9:50:51
